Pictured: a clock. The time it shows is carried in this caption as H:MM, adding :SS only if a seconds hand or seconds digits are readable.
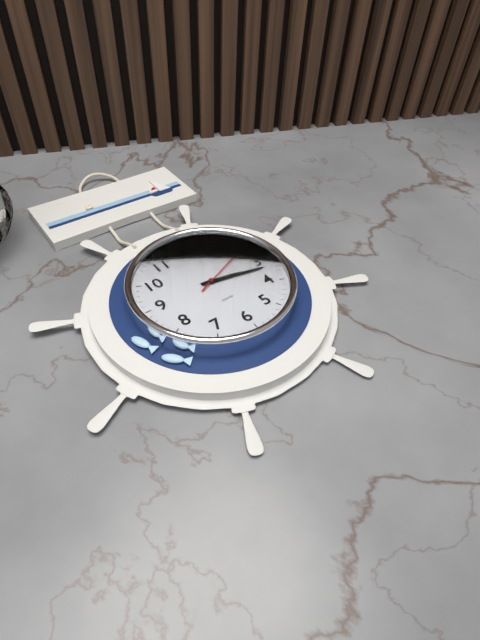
3:17:11
